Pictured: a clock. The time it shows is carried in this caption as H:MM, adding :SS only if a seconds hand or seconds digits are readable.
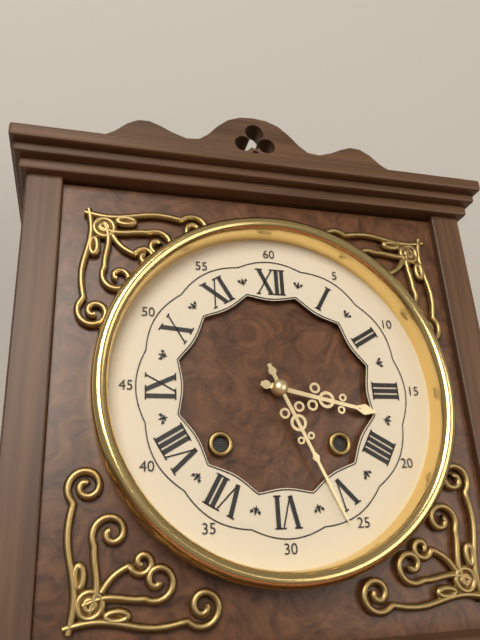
3:26
